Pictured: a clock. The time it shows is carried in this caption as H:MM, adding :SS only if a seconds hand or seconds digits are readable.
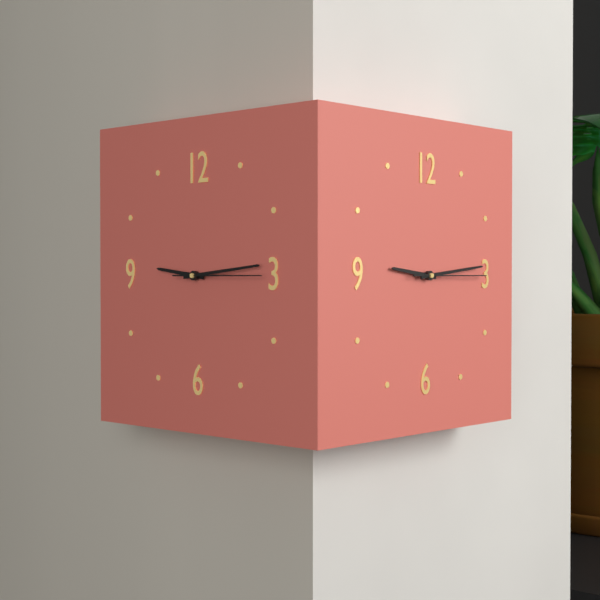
9:14:15
